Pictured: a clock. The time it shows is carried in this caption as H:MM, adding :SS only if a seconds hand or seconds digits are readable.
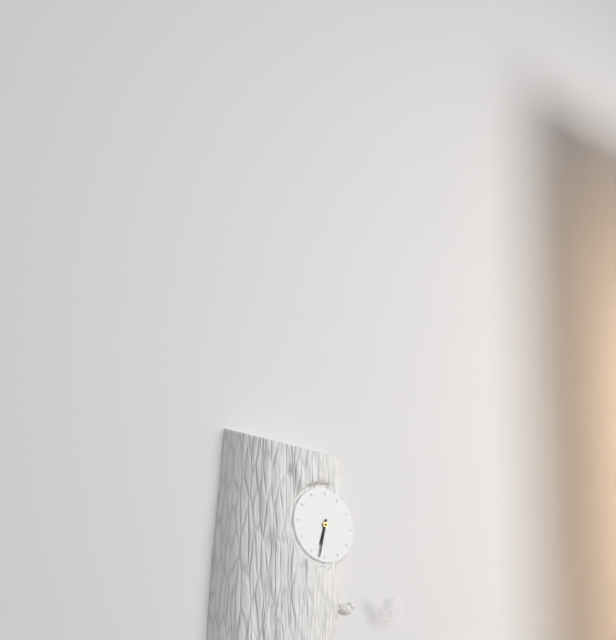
6:32
